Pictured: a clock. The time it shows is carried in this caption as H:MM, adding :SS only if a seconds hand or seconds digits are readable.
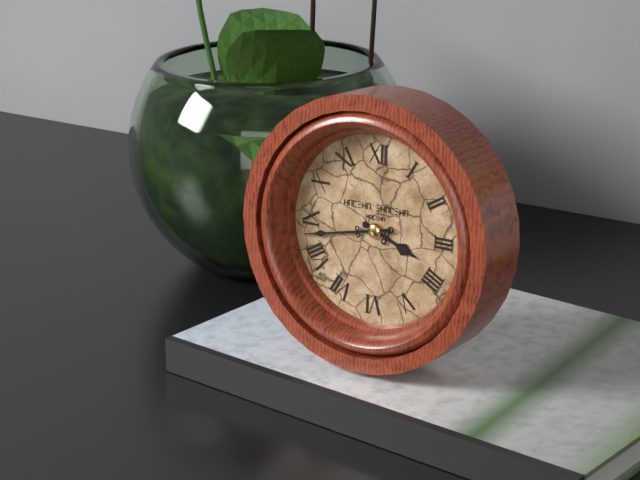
3:43
